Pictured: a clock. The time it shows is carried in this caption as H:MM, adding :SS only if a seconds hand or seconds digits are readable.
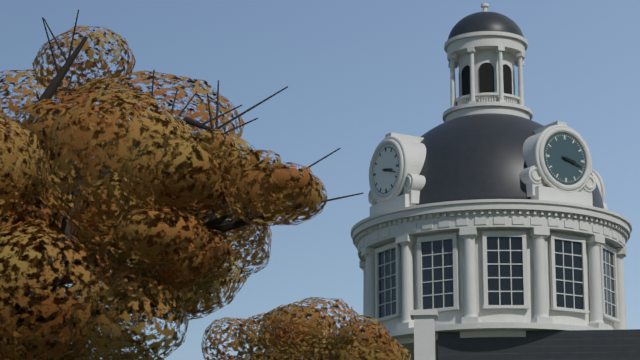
3:18
